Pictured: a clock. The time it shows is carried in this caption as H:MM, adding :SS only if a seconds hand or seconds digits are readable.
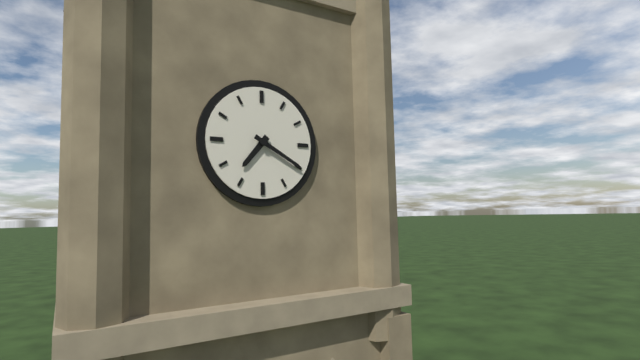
7:20
